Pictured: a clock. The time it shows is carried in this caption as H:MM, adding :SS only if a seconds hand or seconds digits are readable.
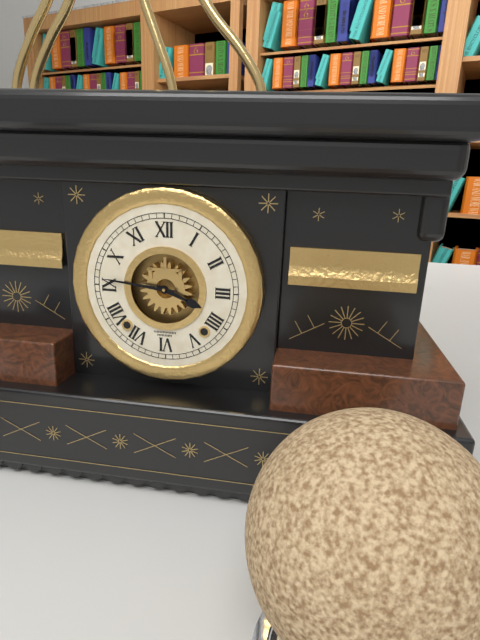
3:46
